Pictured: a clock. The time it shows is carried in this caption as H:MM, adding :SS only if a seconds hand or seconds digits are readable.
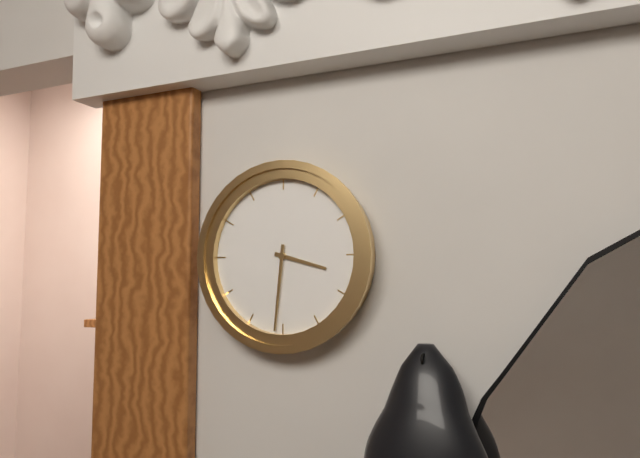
3:31
